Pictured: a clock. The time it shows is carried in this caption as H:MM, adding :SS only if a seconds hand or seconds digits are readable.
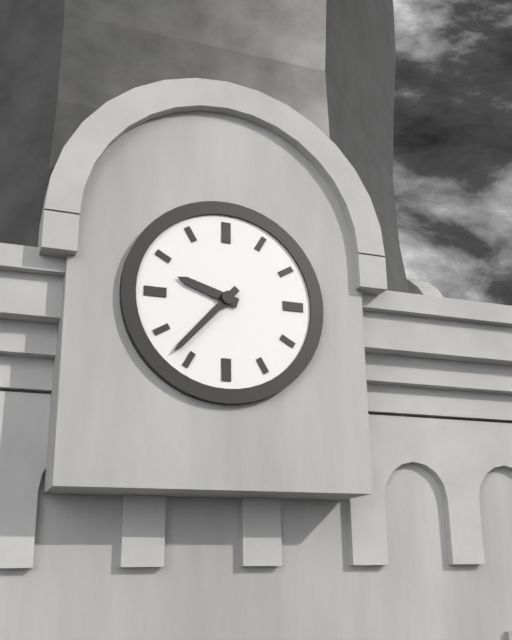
9:37
